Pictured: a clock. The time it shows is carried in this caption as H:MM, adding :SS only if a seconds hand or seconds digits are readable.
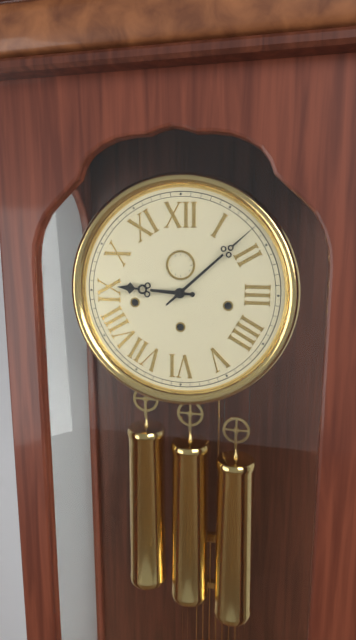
9:08
